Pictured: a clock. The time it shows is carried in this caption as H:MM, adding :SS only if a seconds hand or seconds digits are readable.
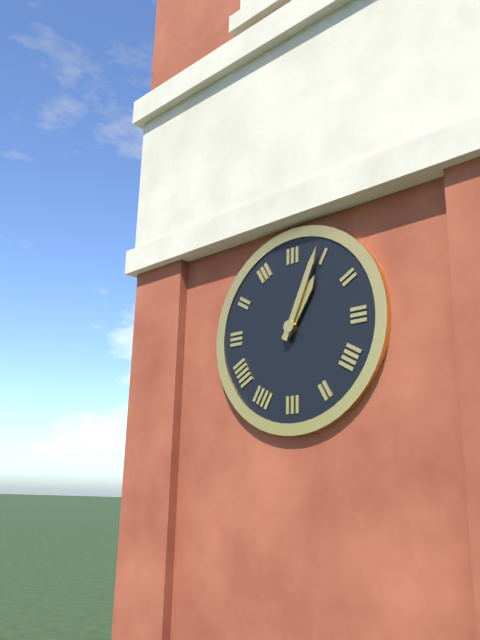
1:04
